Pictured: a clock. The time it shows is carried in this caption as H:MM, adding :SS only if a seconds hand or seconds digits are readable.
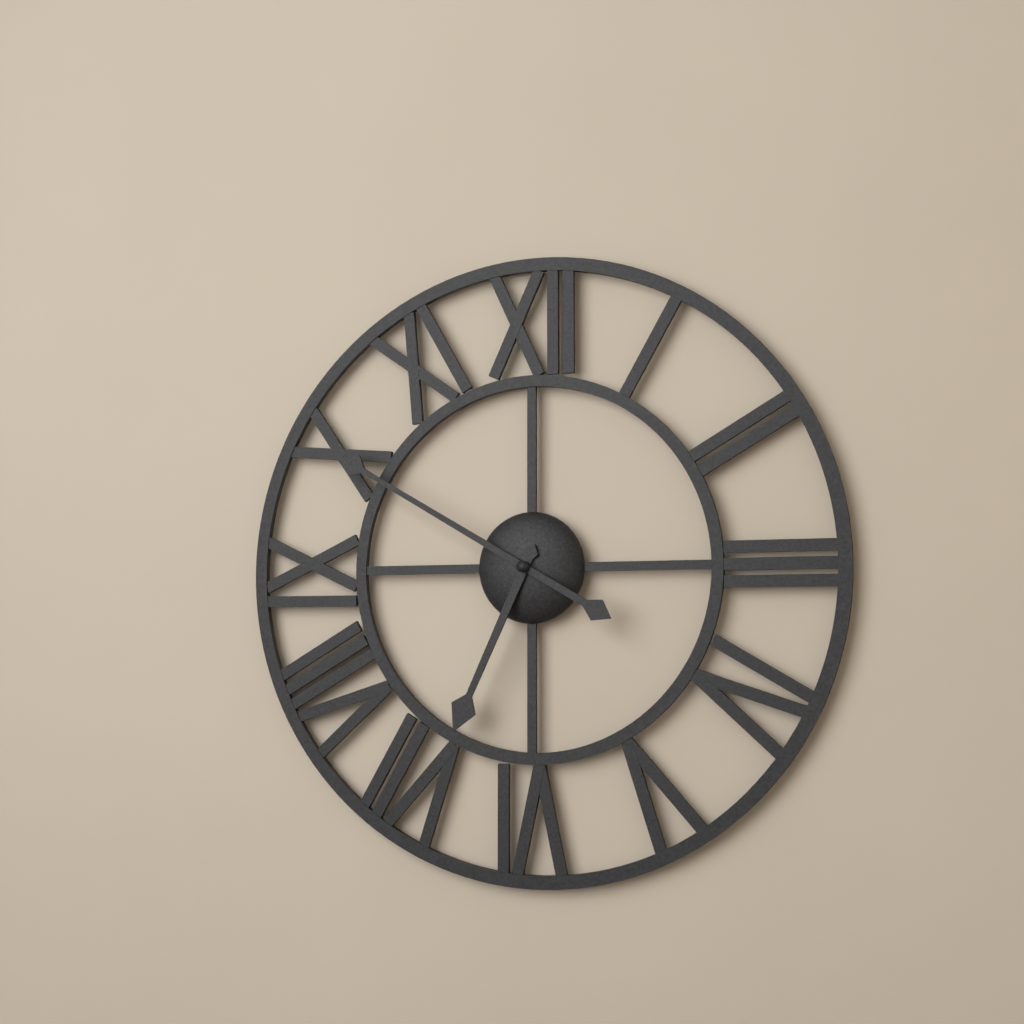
6:50
